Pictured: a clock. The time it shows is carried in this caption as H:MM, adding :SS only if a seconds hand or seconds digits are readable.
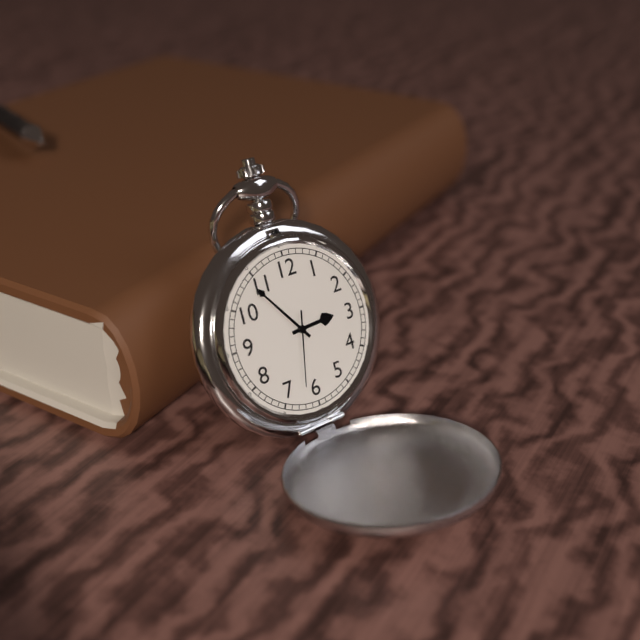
2:54:32
